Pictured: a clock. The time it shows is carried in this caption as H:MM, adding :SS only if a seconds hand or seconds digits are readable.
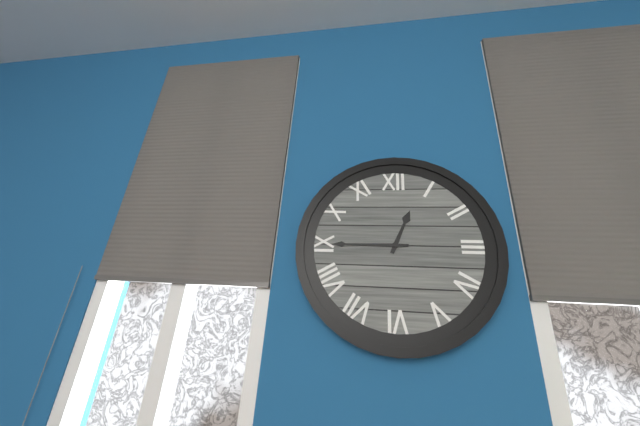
12:45
